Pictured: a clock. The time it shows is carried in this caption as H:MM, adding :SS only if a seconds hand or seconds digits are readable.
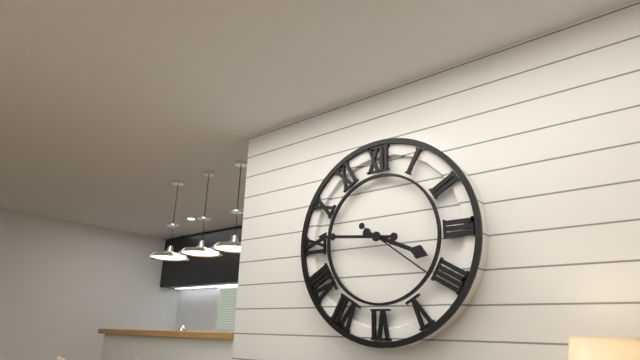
3:46:21
